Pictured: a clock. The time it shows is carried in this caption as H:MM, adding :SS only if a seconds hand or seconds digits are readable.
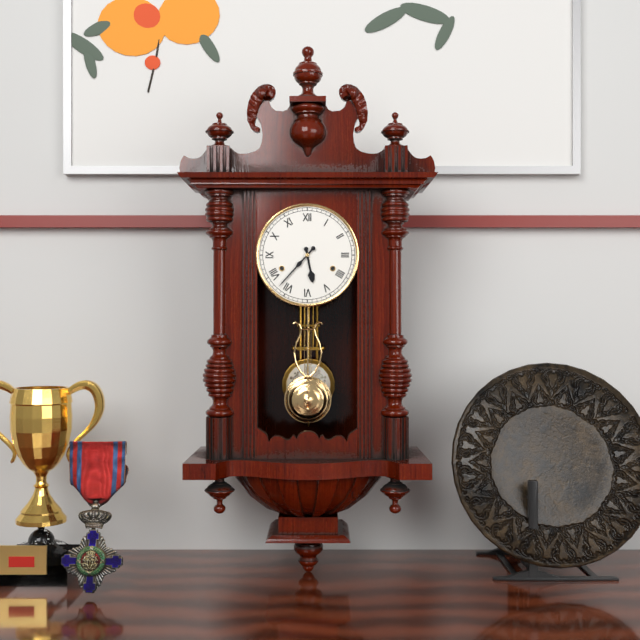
5:37
